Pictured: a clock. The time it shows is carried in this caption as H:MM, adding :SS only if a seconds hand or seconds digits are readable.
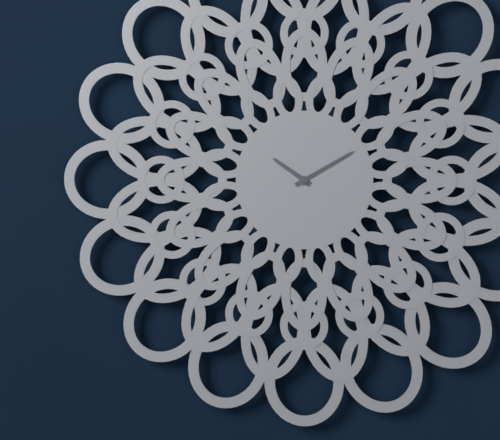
10:10
